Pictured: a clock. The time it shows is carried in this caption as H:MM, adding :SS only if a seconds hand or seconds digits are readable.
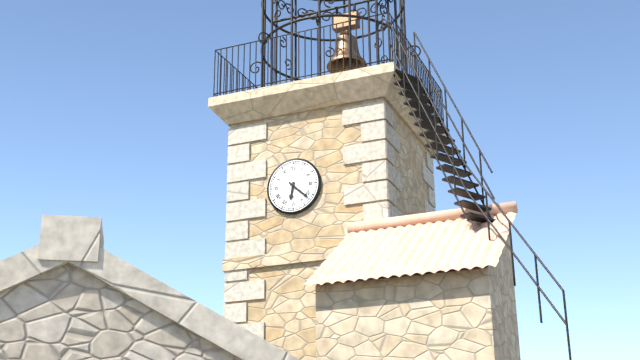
6:22
